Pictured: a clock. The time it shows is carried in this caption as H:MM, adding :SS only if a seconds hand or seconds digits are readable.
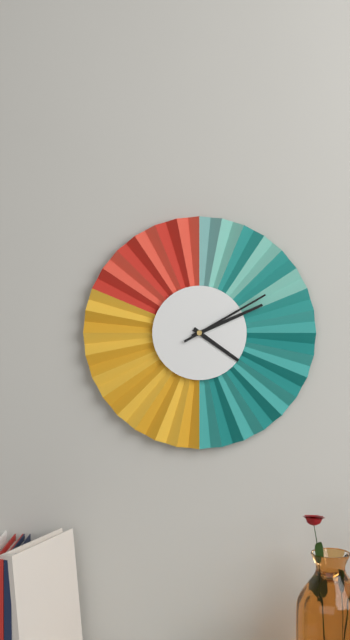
4:11:10
